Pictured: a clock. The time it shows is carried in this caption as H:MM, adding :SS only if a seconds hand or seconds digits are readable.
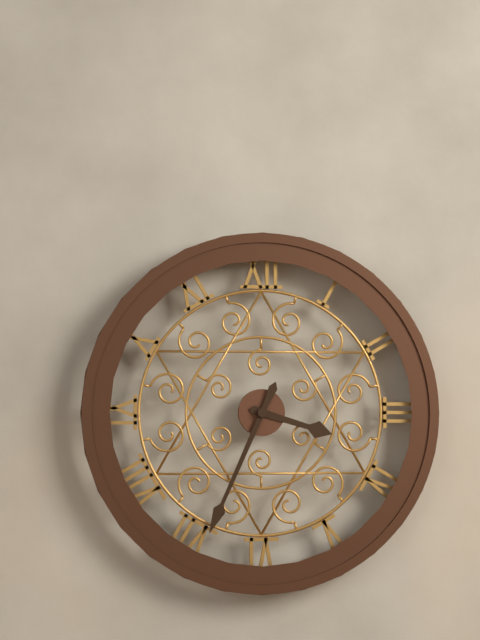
3:34
